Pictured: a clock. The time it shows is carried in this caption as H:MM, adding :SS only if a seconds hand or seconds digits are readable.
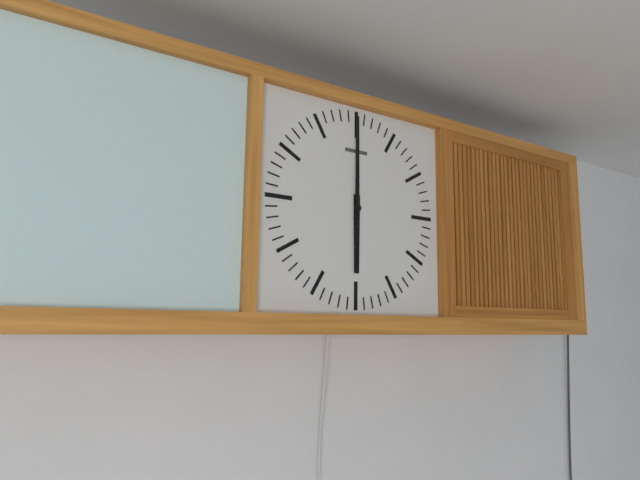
6:00
